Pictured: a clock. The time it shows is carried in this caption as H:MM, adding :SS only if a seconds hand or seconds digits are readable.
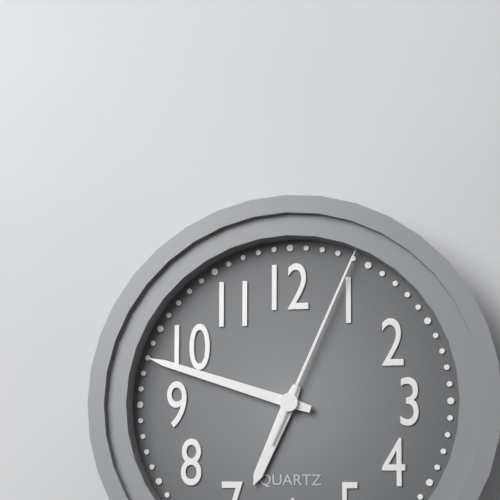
6:48:04
